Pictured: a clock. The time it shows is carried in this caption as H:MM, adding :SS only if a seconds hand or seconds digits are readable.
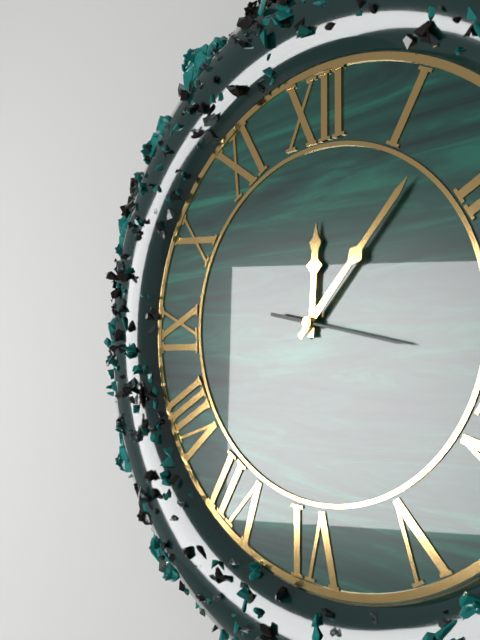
12:07:17
